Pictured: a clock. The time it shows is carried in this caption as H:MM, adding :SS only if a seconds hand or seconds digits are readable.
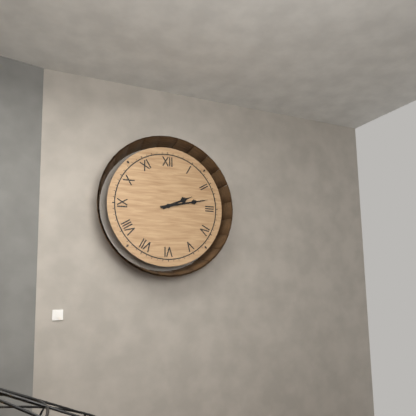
2:13
